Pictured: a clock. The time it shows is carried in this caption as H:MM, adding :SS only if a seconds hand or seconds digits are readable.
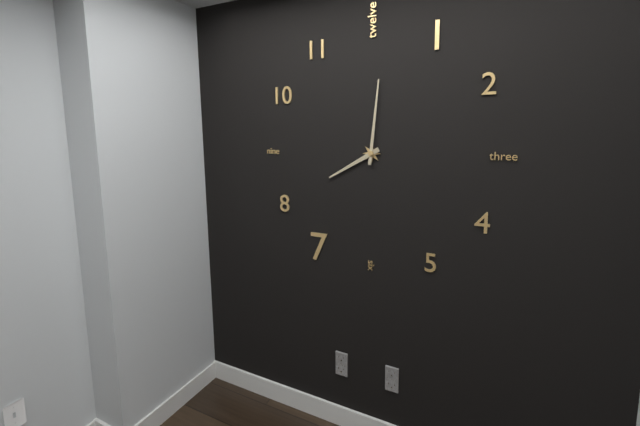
8:01
